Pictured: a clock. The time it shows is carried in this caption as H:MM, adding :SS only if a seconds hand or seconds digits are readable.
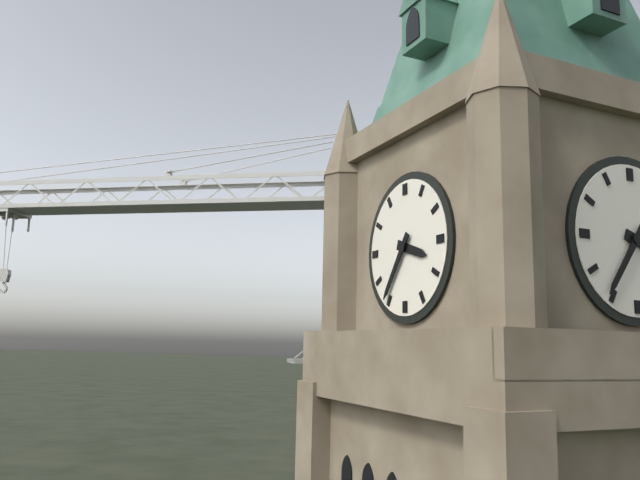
3:36
